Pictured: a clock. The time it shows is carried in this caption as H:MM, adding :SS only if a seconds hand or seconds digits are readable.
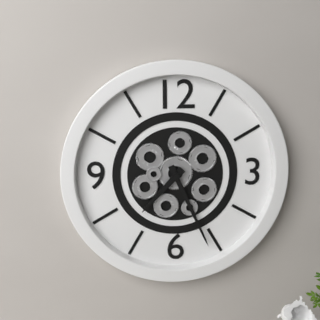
7:26
